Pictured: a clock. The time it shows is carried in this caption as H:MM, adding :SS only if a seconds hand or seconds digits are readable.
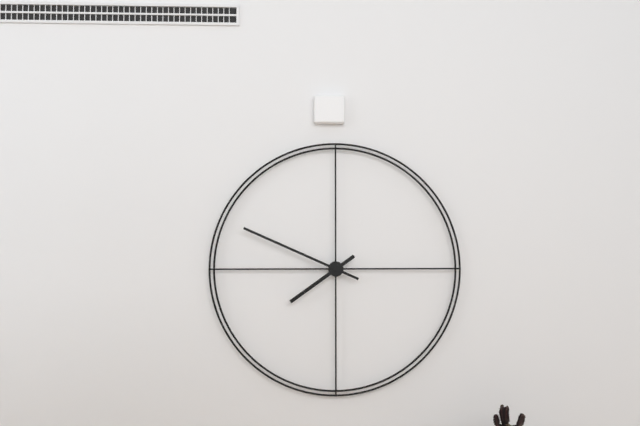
7:49
